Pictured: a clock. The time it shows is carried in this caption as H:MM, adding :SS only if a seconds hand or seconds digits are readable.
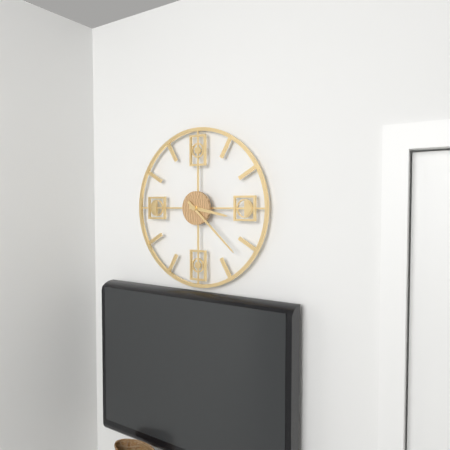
3:22
